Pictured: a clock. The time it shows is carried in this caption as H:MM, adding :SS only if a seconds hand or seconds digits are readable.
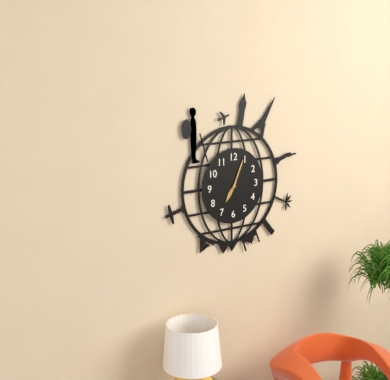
7:04
